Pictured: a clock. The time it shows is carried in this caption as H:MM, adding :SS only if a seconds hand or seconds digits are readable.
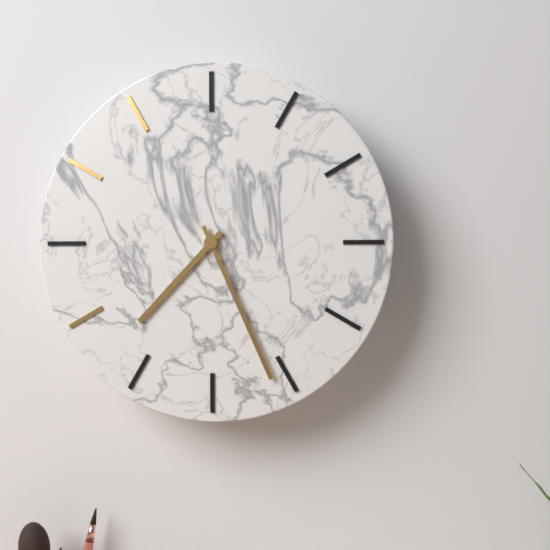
7:26
